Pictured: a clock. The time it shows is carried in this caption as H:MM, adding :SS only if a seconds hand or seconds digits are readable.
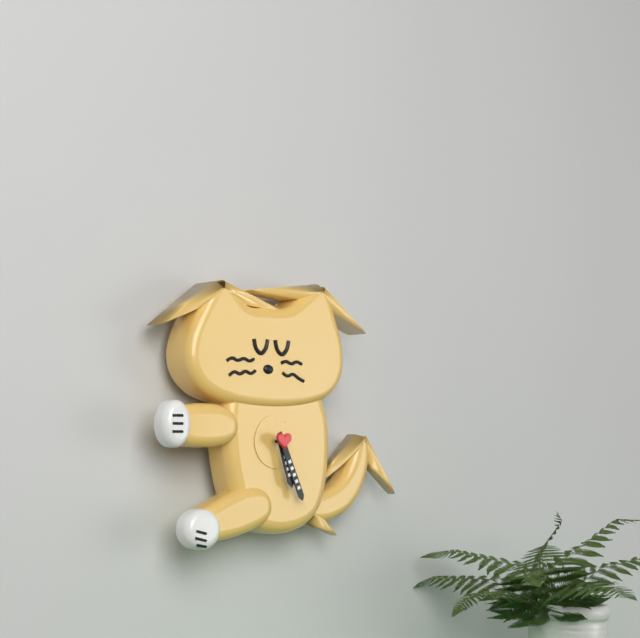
5:26
